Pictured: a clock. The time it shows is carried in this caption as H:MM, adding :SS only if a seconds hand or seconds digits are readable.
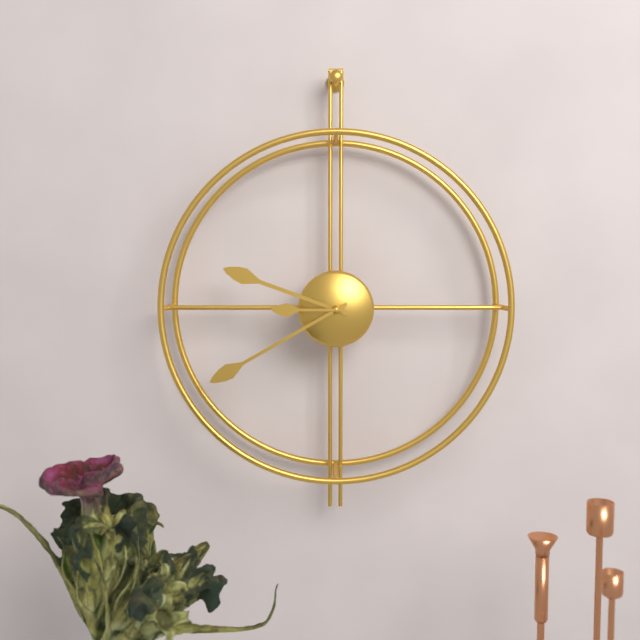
9:40:45
